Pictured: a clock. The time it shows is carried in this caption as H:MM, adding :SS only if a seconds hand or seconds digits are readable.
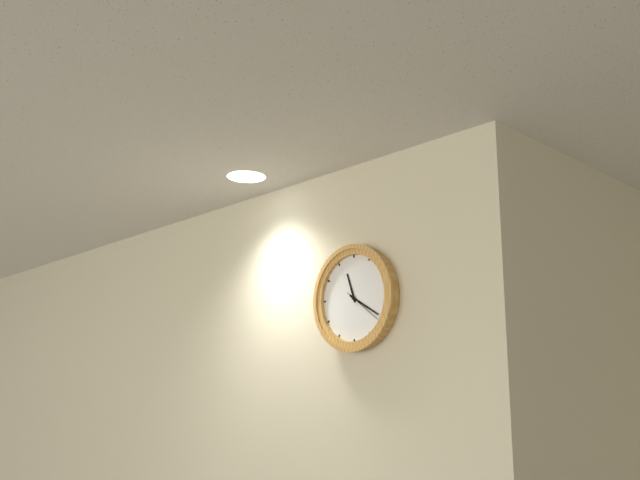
11:20
